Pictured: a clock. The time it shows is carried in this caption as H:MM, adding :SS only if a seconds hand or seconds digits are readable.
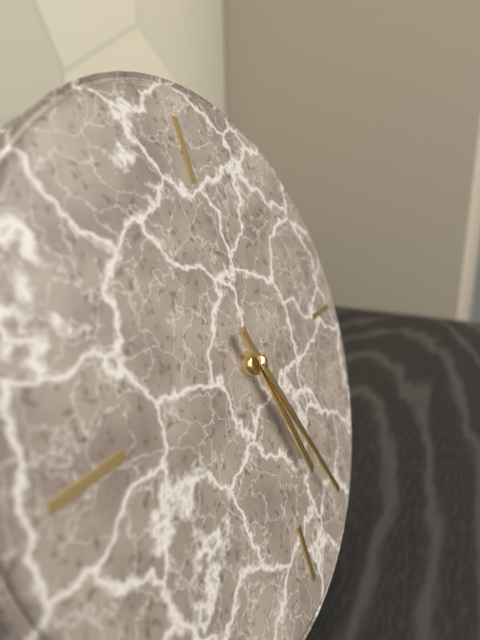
5:26
